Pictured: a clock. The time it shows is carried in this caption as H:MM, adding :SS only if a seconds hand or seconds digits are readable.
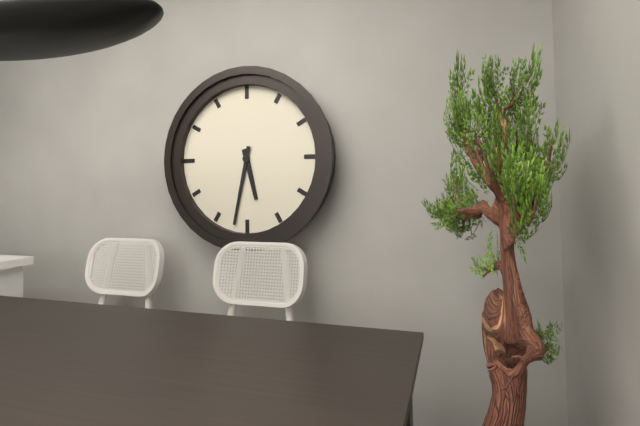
5:32
